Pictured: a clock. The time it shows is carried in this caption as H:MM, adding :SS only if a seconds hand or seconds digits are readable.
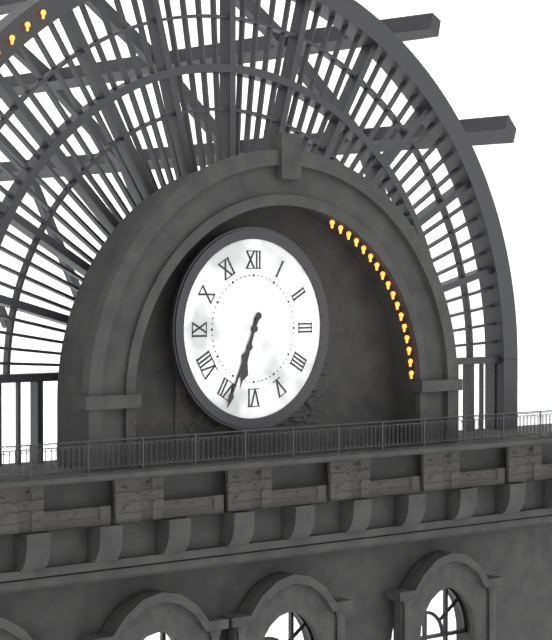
6:34
